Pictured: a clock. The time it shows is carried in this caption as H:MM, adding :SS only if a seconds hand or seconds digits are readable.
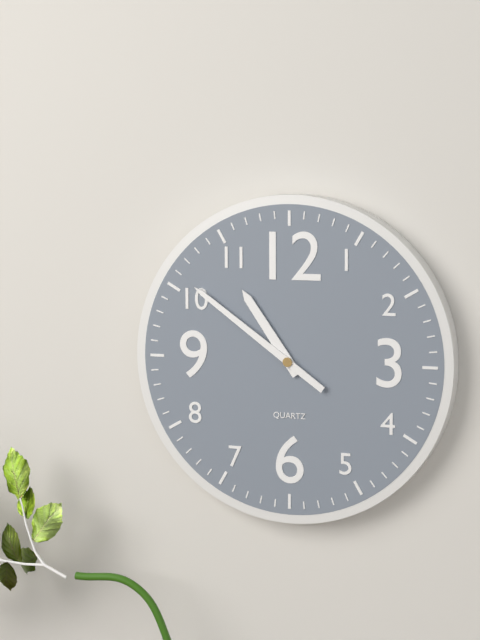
10:51
